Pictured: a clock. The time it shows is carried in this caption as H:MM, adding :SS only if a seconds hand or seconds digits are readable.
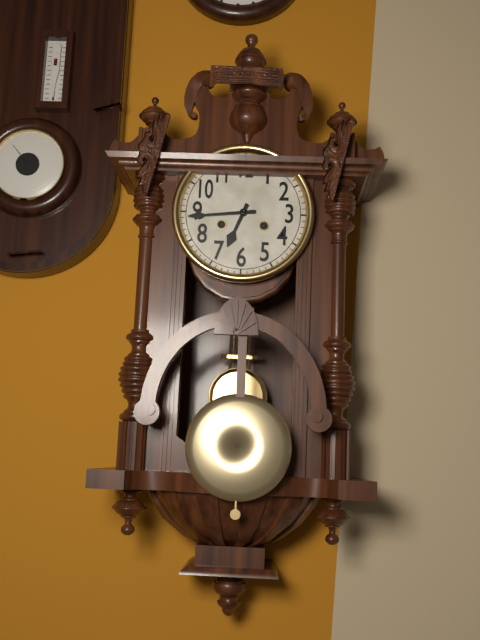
6:44
